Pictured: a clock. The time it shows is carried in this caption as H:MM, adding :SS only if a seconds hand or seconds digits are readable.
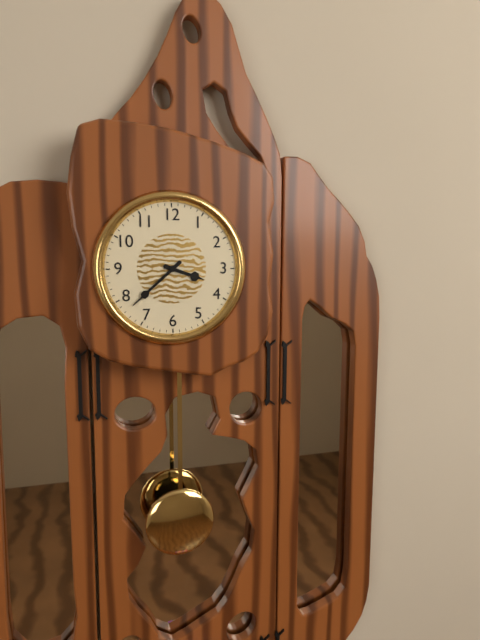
3:38
